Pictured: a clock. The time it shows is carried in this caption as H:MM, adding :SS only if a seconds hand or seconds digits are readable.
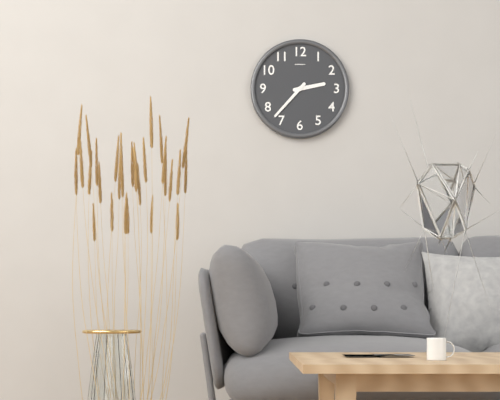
2:37
